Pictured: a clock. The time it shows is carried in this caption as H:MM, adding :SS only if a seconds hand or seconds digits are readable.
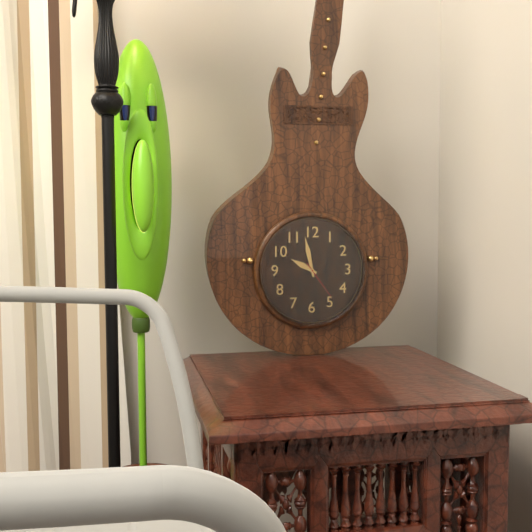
9:58
